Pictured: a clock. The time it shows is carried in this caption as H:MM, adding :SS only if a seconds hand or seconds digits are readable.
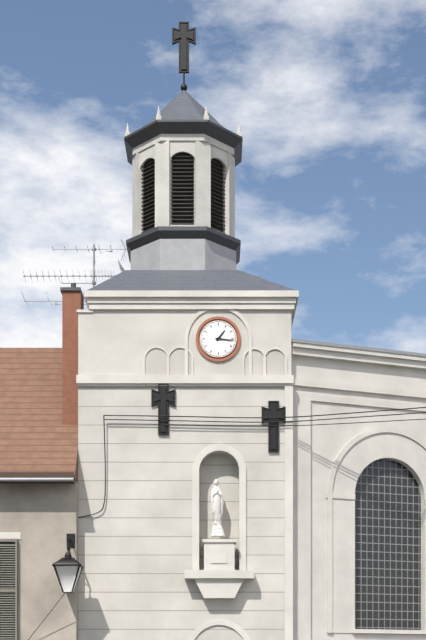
1:16
